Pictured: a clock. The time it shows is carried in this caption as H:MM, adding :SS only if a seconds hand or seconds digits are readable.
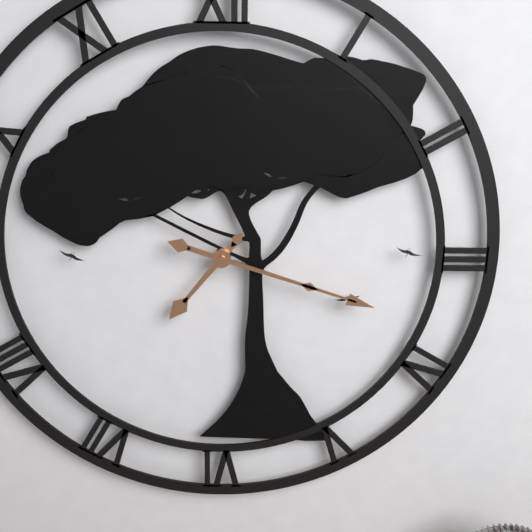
7:18
